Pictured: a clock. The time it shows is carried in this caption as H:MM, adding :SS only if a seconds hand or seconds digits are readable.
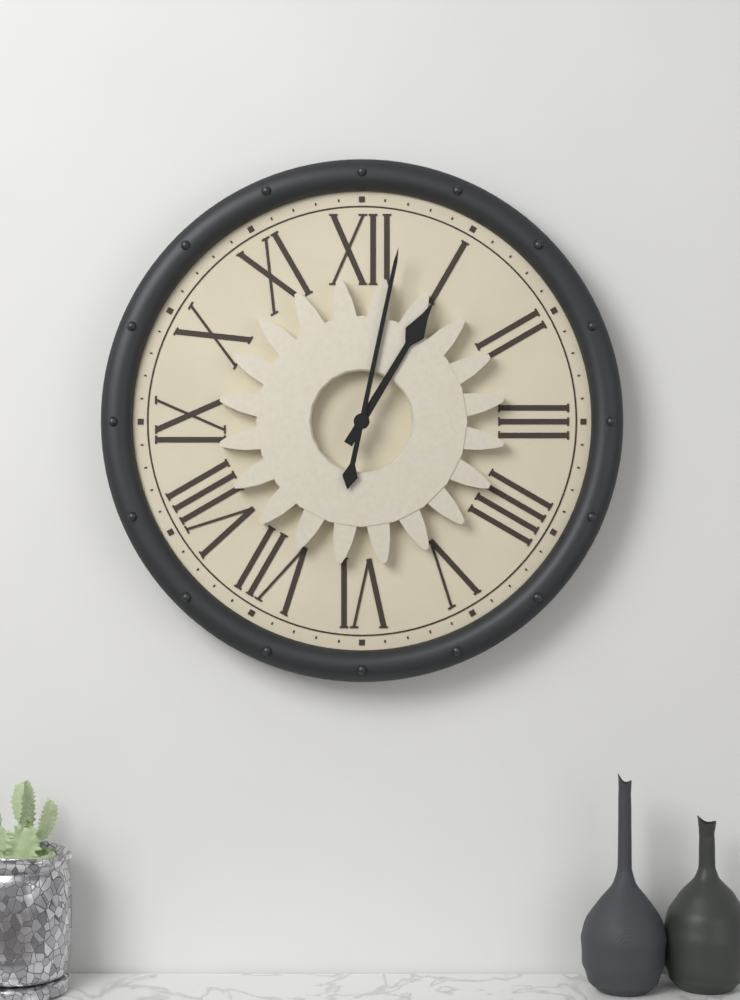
1:02
